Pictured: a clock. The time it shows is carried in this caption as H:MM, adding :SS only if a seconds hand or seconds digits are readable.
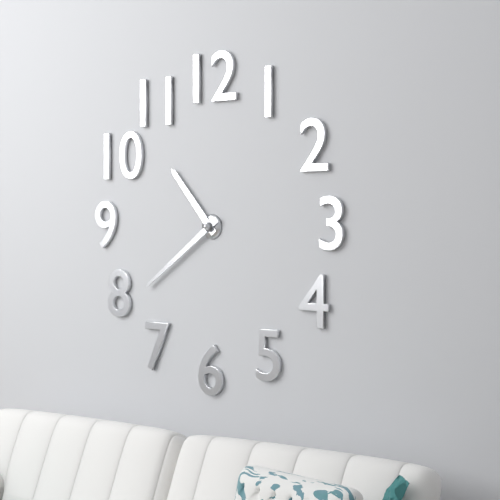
10:39
